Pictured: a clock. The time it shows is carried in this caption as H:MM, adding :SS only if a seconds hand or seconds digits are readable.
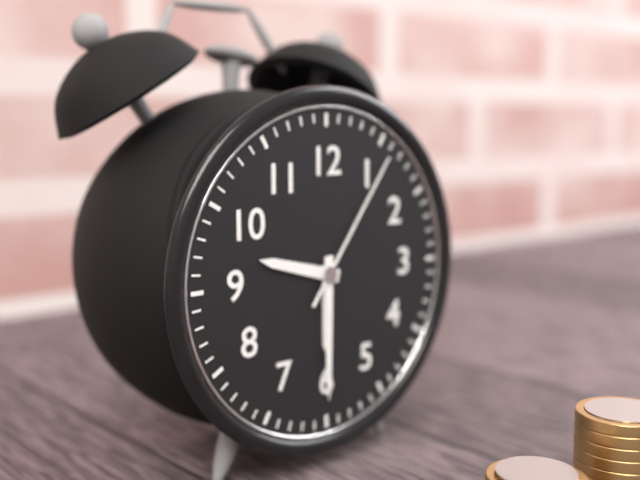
9:30:06
